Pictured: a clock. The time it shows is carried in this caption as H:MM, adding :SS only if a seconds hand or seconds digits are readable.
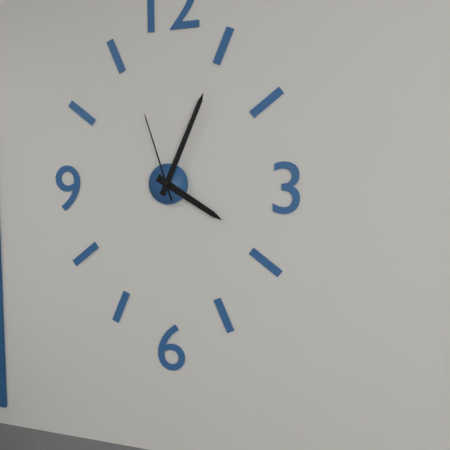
4:04:57
